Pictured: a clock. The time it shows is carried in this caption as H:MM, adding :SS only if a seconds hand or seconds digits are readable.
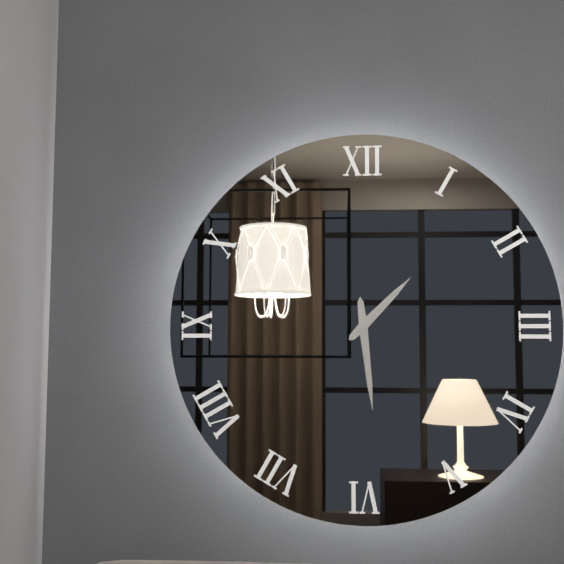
1:29
